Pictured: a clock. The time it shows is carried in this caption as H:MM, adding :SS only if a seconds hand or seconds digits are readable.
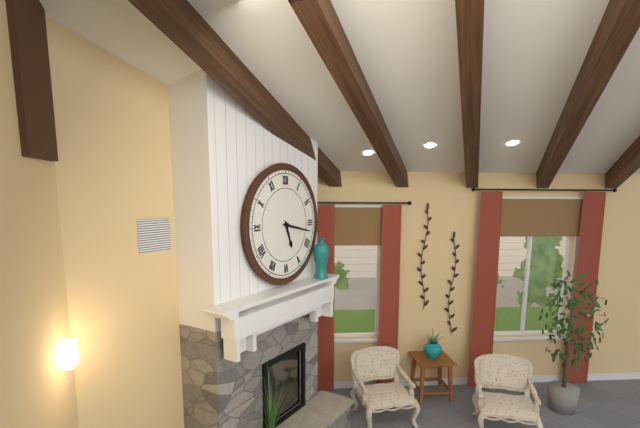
5:17
